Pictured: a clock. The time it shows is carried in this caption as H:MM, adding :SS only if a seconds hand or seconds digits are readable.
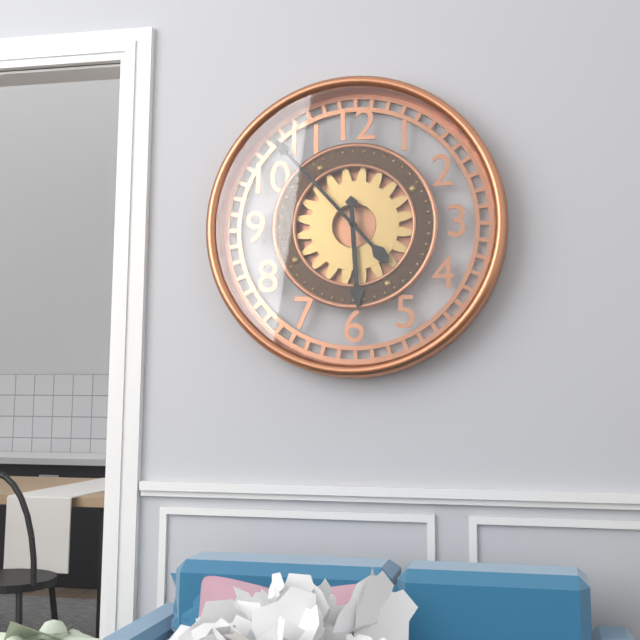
5:53
